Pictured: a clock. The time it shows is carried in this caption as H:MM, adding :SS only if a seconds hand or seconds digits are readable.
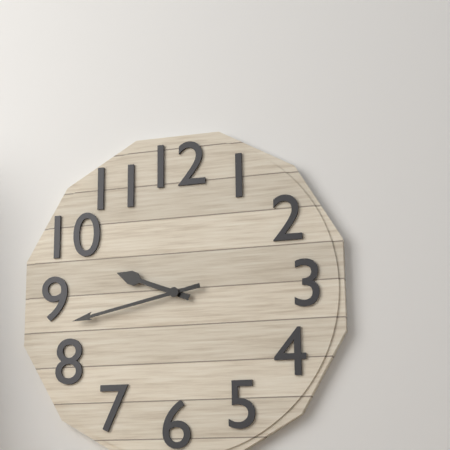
9:43
